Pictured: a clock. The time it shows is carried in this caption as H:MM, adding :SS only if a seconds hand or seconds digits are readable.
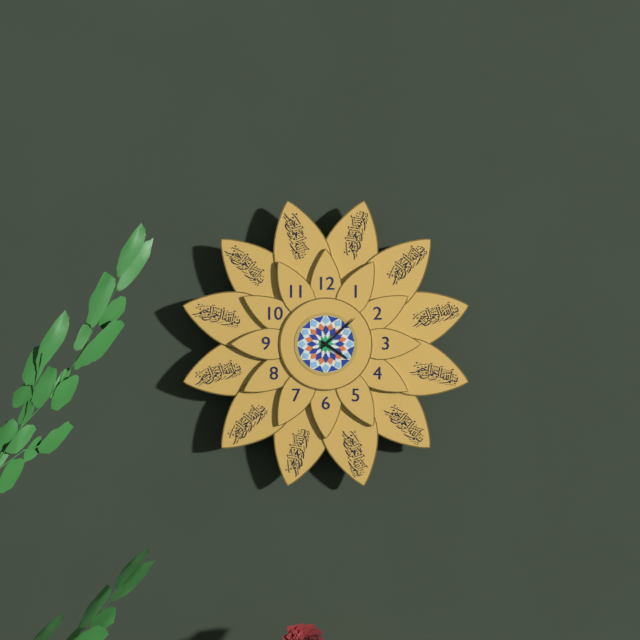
4:08
